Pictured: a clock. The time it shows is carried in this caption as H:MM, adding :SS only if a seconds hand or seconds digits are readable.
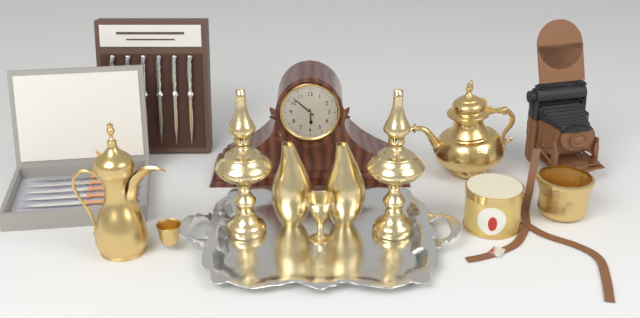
5:52
